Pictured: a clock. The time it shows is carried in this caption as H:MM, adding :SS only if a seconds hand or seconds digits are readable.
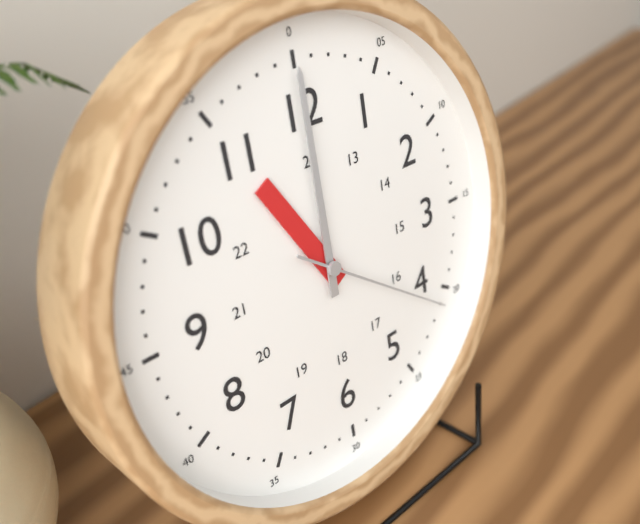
11:00:21
